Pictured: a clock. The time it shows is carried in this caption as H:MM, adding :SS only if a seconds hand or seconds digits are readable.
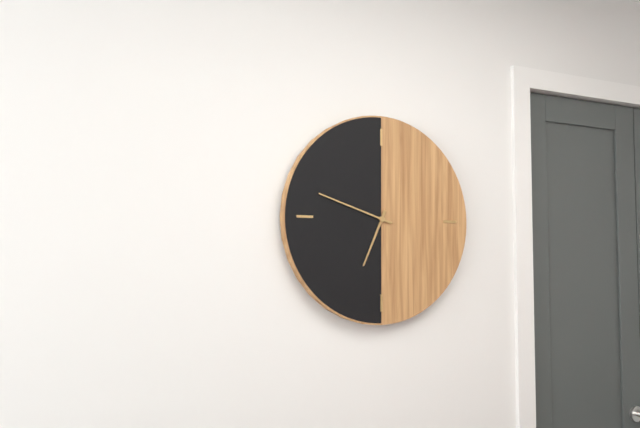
6:48
